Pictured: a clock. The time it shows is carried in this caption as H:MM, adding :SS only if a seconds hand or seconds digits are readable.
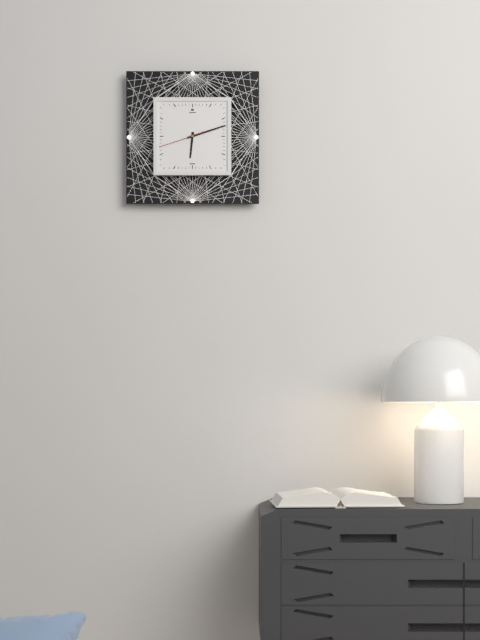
6:12
